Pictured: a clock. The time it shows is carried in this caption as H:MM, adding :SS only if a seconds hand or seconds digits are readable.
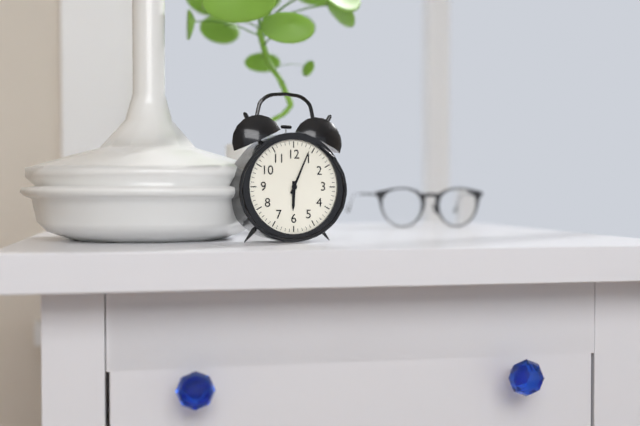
6:04
